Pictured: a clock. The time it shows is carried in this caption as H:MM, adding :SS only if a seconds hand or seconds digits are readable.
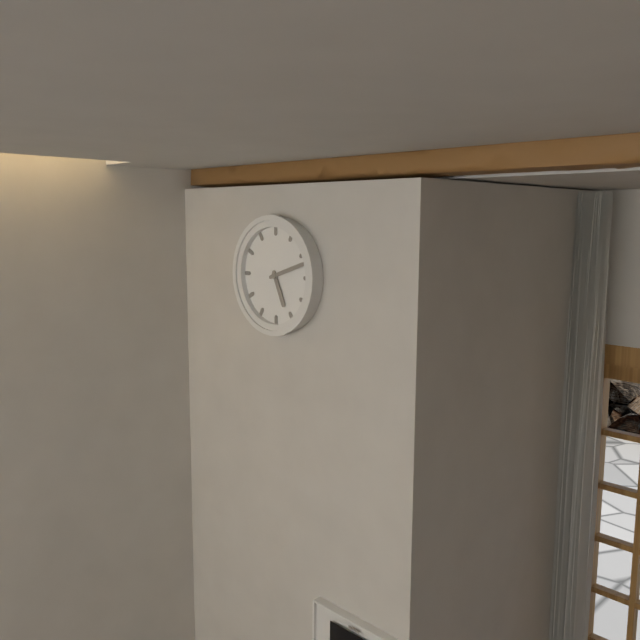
5:12
